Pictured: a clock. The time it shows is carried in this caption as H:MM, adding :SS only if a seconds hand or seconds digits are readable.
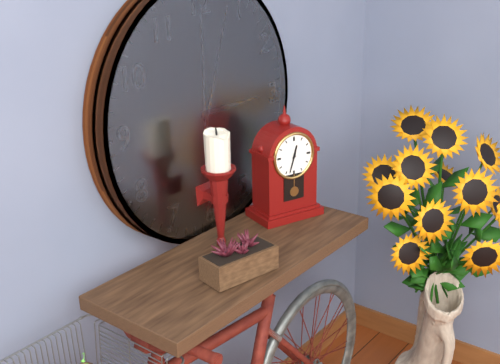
12:33
